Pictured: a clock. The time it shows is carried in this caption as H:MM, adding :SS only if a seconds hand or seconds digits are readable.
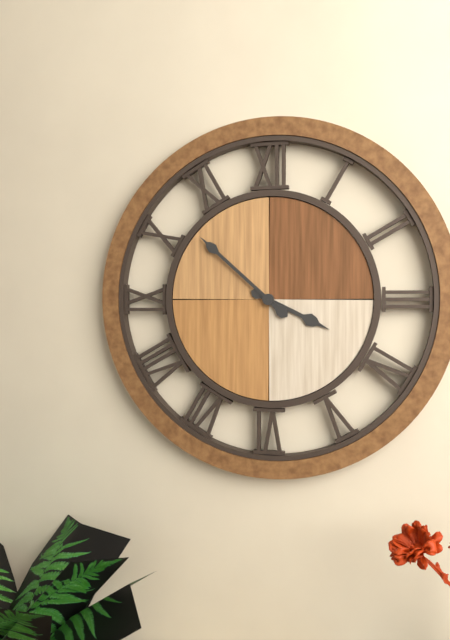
3:52
